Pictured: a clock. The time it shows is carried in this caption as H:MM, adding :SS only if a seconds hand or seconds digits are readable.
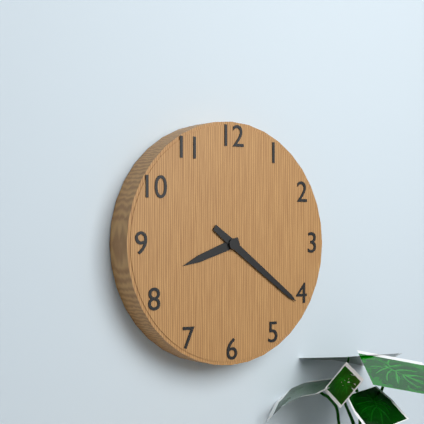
8:21
